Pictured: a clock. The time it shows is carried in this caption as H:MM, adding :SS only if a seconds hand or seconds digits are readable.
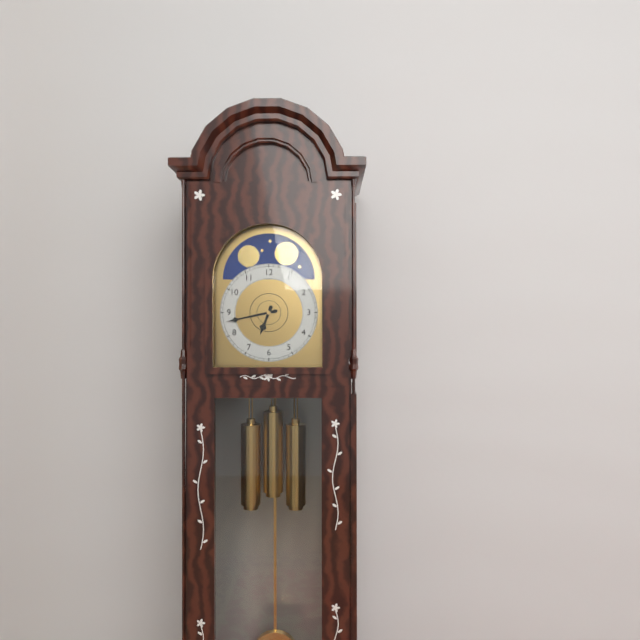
6:43
